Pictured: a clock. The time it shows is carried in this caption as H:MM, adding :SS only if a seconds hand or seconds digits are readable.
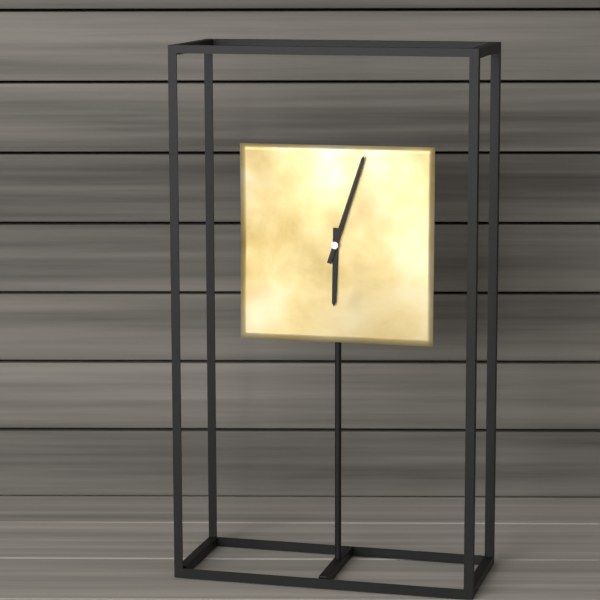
6:03
